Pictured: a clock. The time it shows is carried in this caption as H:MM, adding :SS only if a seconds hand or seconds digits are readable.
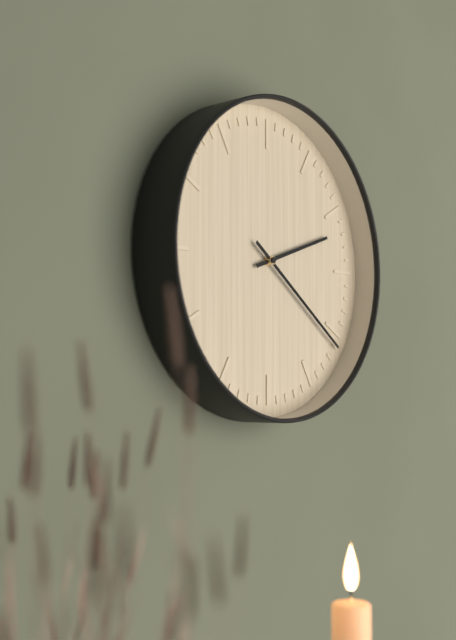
2:21
